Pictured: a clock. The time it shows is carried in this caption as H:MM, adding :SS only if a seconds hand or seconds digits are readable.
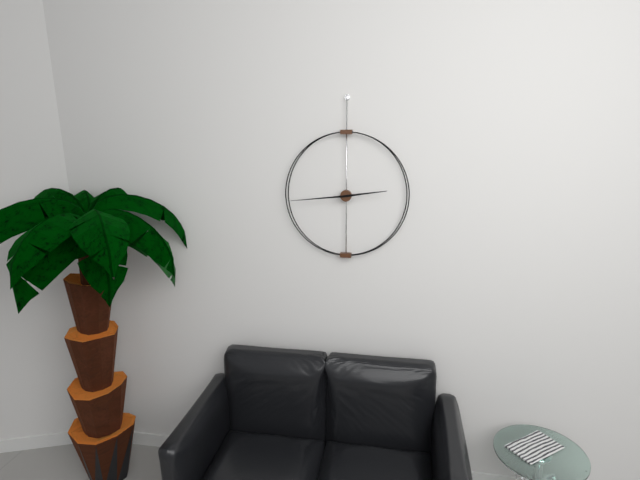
2:44
